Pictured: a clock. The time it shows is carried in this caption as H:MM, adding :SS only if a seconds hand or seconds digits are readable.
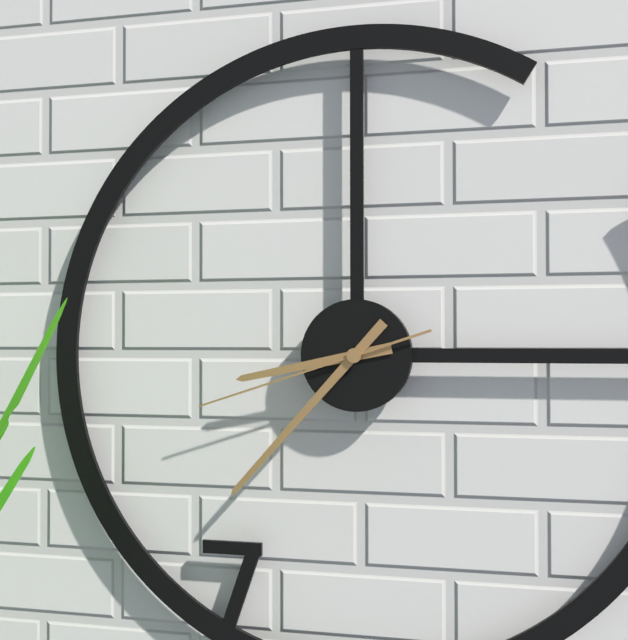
8:37:42
